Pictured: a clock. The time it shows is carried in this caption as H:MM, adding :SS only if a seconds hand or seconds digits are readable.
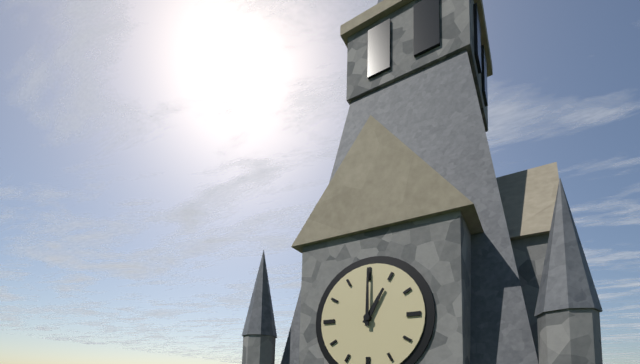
1:00
